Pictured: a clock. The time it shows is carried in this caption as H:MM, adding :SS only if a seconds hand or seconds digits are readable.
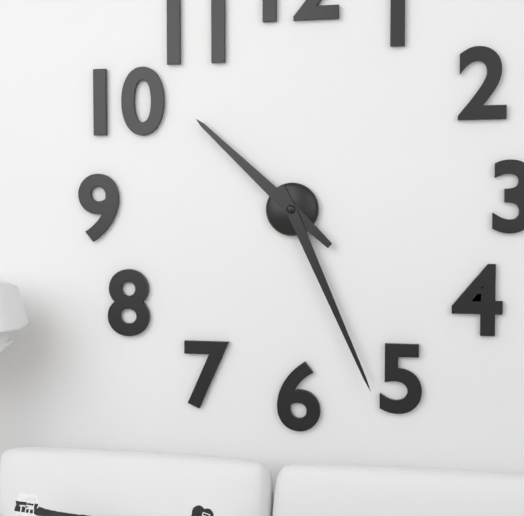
10:26
